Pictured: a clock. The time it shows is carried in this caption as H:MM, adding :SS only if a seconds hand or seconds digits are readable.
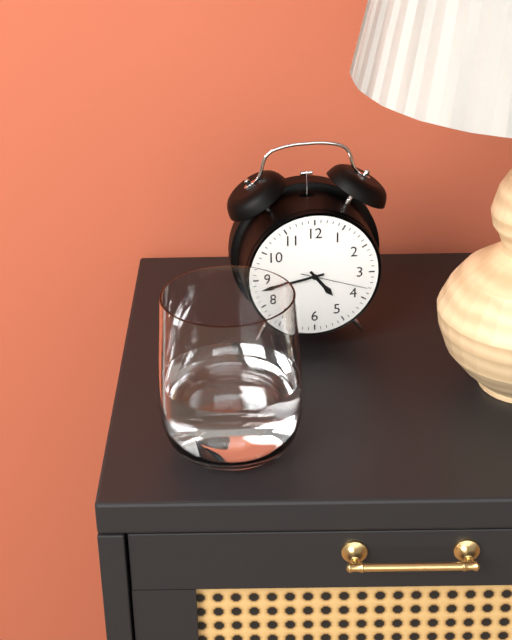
4:43:18
